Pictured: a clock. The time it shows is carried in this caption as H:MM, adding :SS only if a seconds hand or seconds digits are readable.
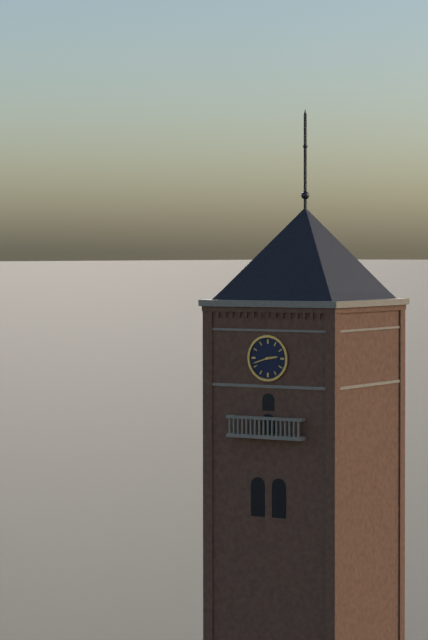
2:42
